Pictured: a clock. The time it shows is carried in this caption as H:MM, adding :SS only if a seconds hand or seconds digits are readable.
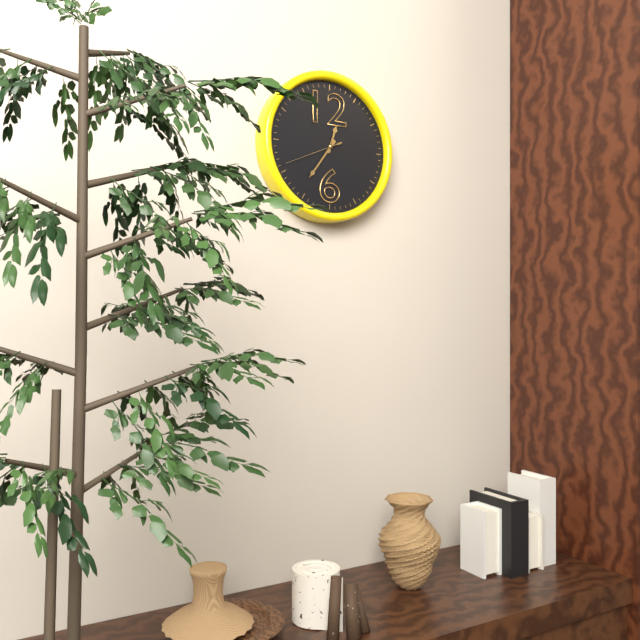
12:36:41
